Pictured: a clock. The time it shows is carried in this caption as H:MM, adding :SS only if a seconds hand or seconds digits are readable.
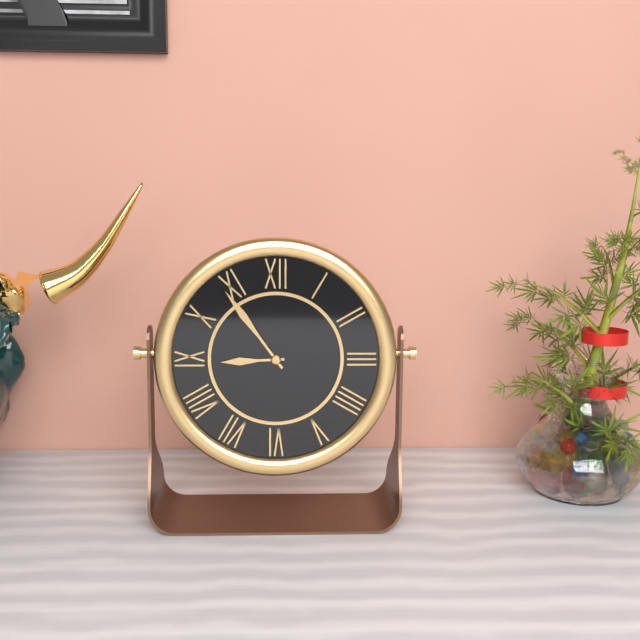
8:54
